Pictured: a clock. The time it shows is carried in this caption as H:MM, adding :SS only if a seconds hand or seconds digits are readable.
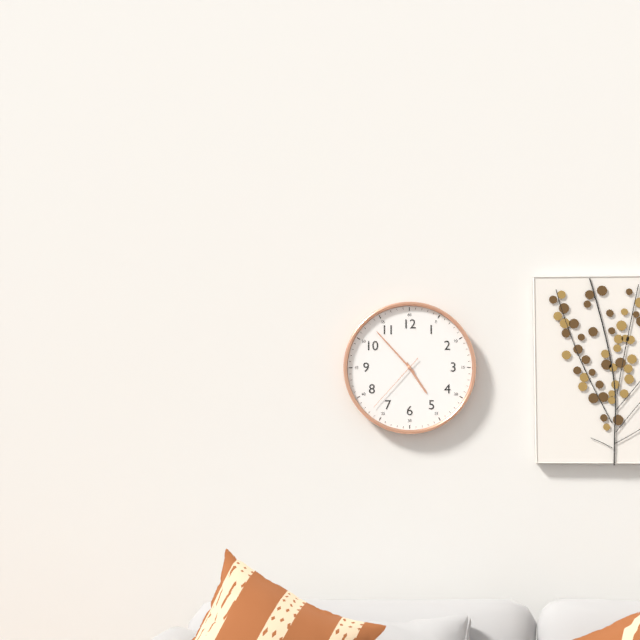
4:53:37
